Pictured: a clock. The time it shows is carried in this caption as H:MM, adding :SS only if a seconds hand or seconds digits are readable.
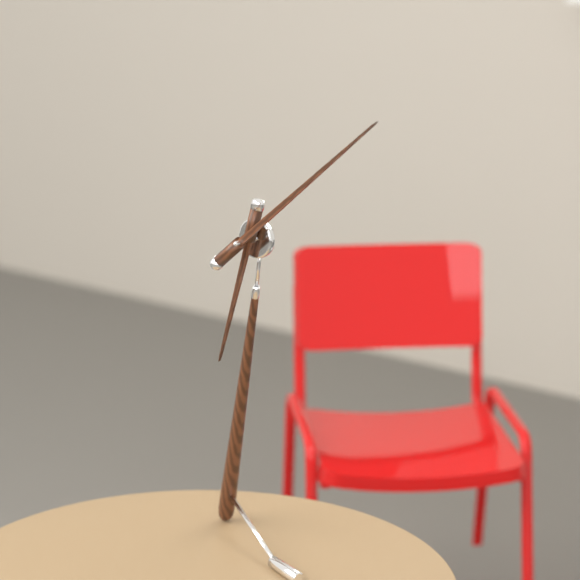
6:06
